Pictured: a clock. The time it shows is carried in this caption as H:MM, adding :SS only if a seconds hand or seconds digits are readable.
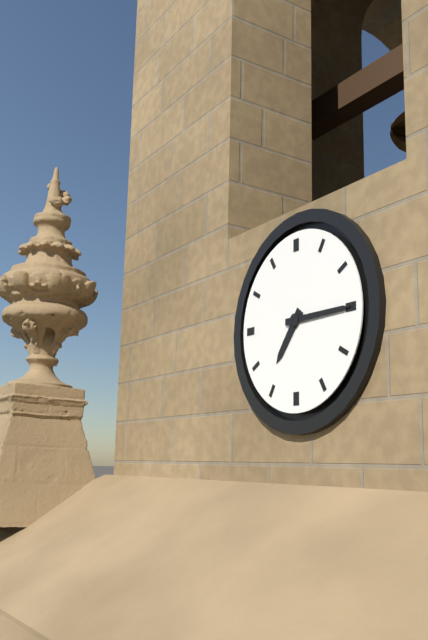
7:15
